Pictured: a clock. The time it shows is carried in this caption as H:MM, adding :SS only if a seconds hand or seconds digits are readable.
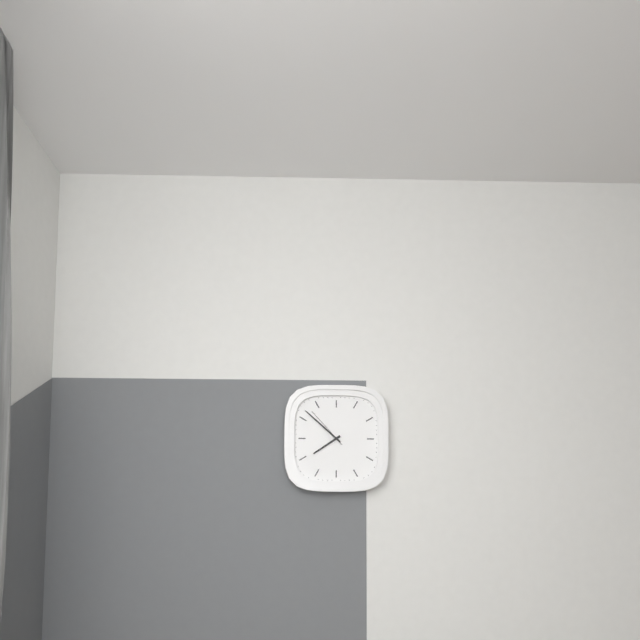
7:52
